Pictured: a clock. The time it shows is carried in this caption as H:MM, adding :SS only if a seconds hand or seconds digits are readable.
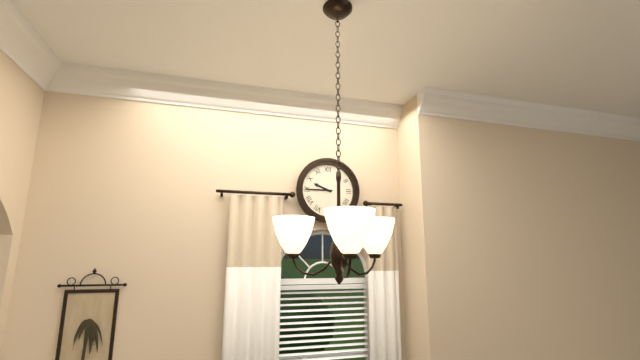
9:45
